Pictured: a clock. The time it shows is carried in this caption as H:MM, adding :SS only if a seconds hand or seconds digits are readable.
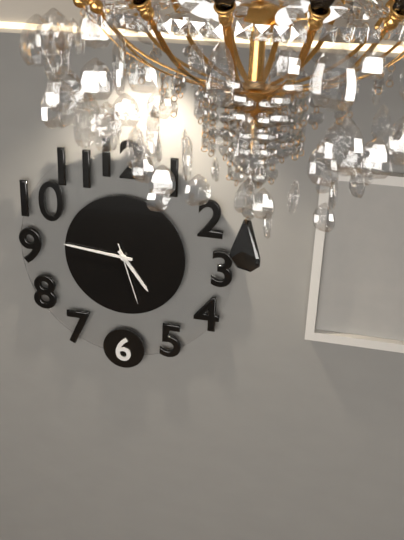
4:46:27
